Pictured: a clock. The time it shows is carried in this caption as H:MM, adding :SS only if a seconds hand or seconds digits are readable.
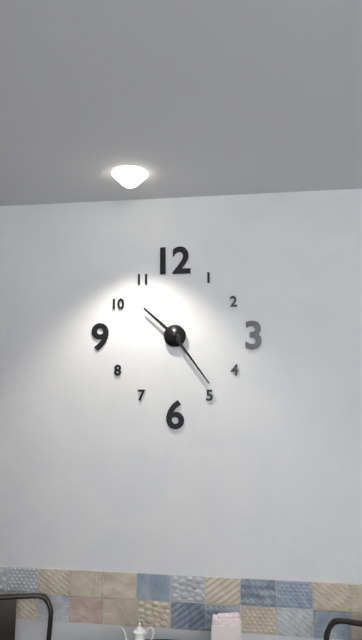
10:24
